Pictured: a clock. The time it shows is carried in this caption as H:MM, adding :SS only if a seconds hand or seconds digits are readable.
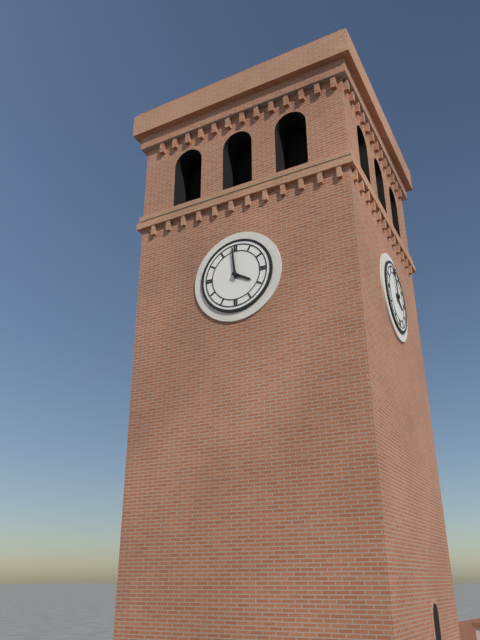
3:59
